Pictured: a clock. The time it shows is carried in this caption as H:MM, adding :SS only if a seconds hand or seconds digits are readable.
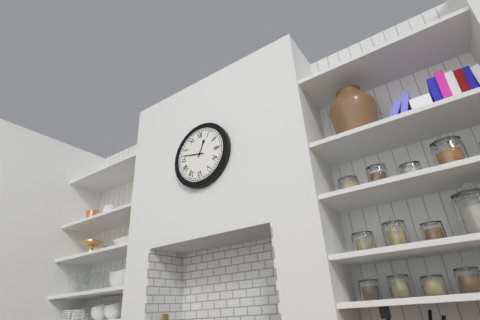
12:47
